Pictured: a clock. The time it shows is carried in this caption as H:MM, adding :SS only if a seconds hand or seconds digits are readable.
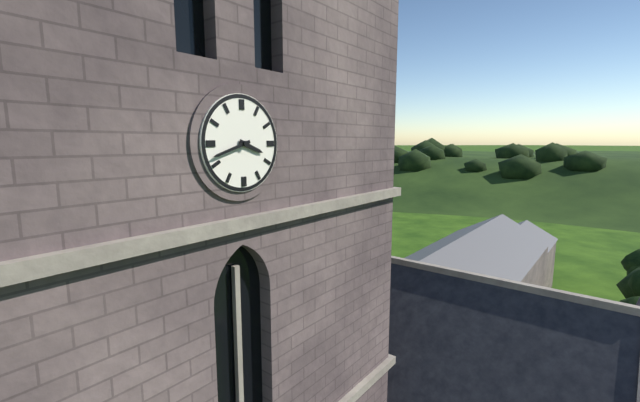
3:42
